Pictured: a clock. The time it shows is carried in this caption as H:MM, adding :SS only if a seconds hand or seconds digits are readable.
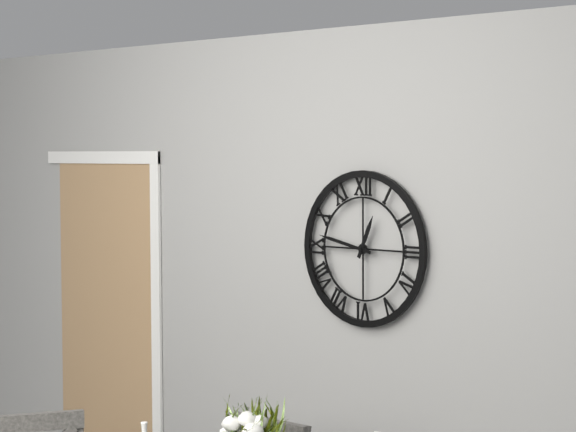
12:47
